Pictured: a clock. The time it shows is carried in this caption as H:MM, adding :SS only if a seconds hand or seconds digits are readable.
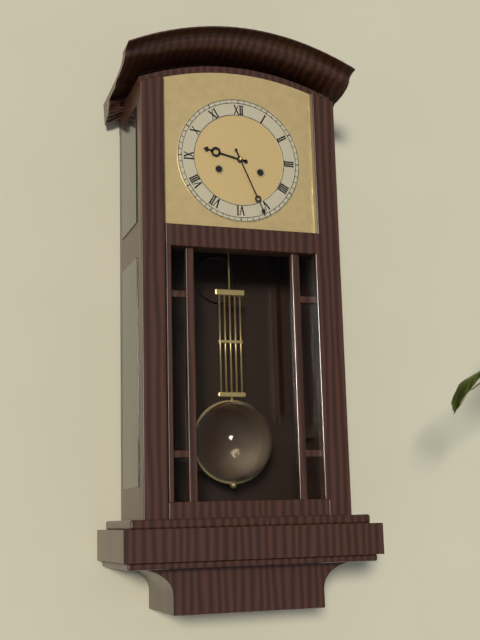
9:26
